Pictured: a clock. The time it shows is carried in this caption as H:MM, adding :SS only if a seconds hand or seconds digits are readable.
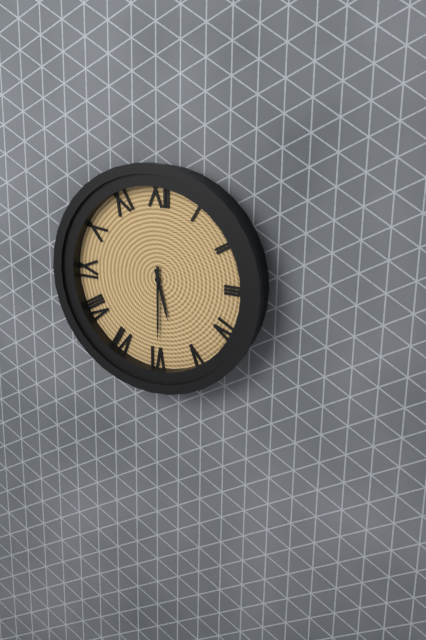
5:30
